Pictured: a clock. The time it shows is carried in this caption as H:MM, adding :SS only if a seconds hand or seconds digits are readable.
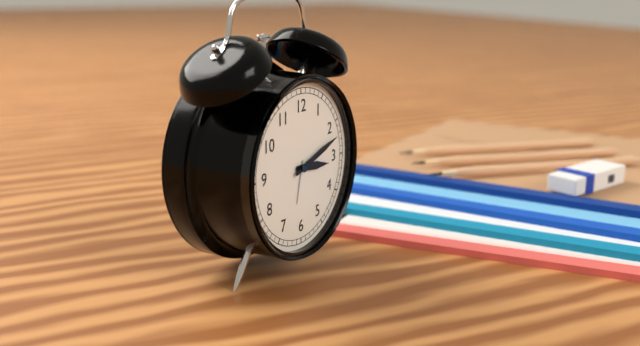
3:12
